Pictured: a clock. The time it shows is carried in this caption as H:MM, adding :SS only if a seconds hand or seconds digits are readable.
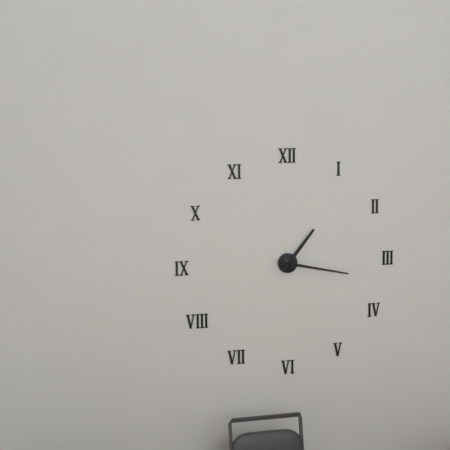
1:17
